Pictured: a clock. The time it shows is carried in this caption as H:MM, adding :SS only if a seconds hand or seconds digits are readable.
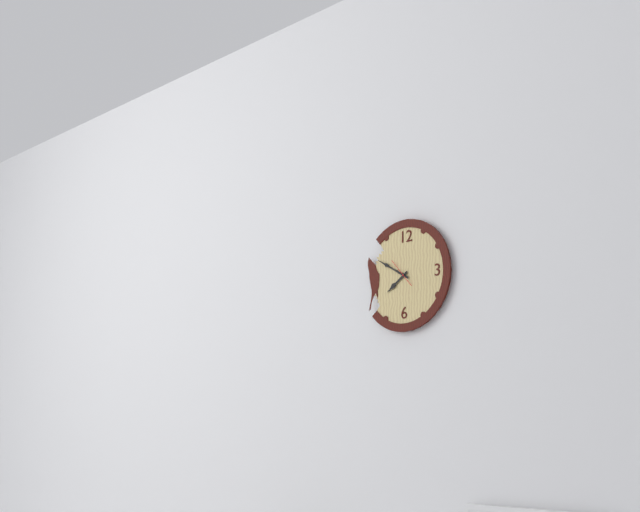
7:50
